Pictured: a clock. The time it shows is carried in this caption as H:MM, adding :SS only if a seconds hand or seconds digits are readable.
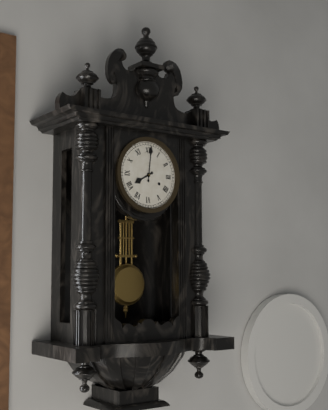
8:01
